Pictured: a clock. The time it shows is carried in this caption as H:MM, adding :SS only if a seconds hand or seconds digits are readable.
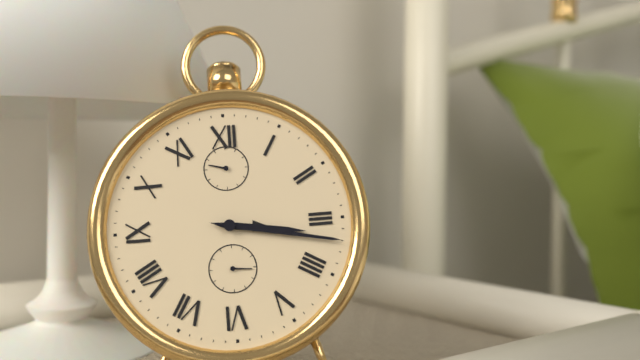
3:17
